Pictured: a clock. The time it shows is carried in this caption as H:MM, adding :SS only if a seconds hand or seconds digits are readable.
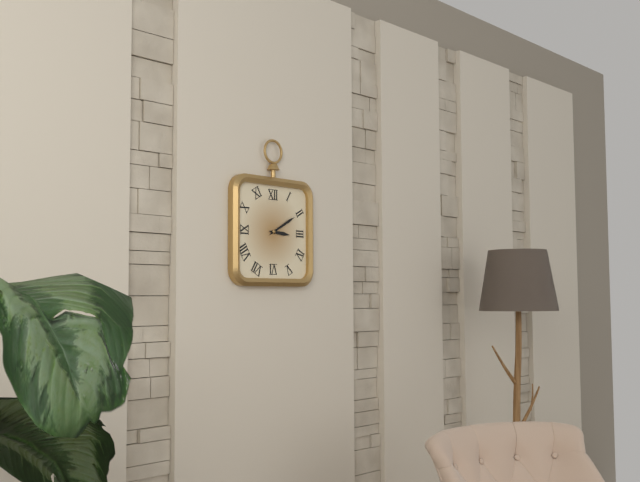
3:10
